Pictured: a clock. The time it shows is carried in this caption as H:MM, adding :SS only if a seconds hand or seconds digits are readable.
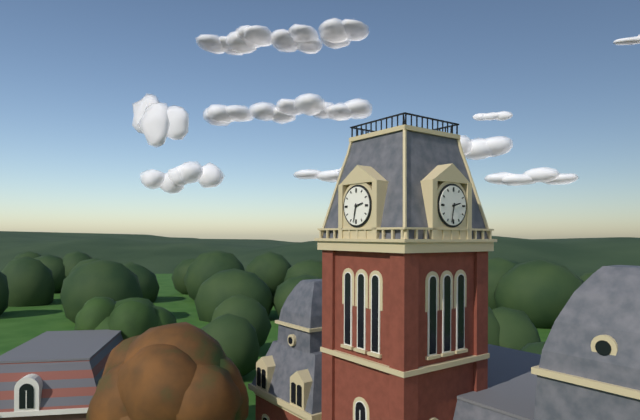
2:32
